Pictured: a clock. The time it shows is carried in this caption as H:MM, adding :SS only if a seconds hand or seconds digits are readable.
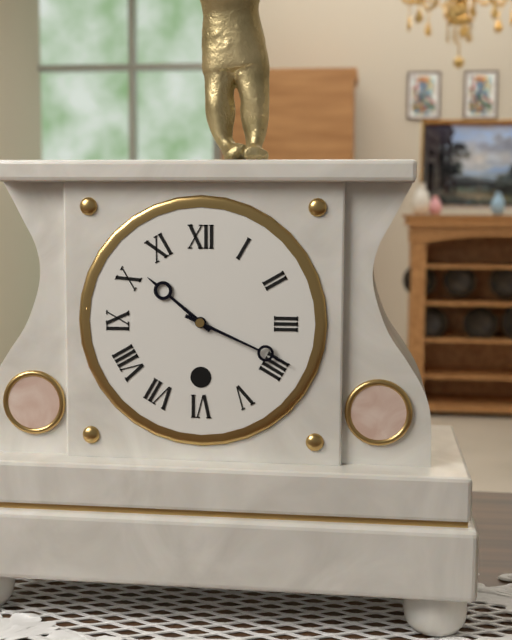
10:19
